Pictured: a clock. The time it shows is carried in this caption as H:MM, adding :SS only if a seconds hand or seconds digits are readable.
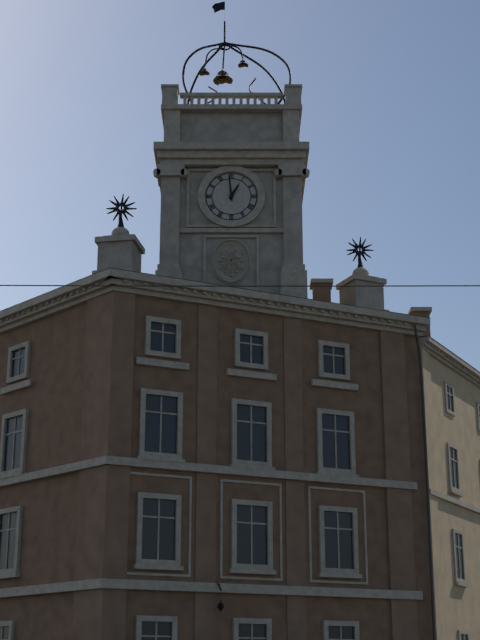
12:59
